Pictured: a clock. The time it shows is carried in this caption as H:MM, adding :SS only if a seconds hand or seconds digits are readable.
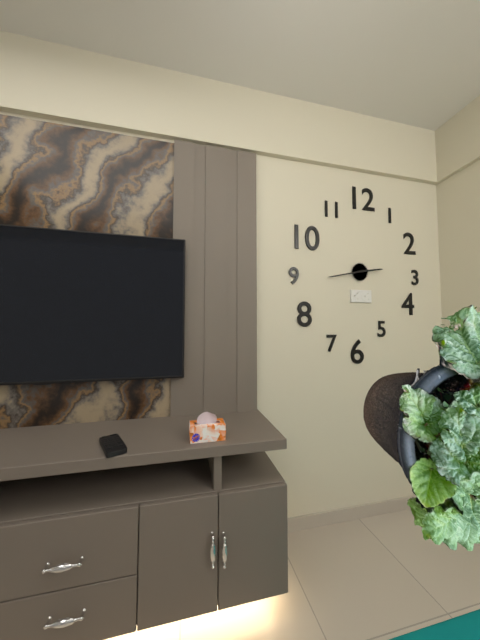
2:43
